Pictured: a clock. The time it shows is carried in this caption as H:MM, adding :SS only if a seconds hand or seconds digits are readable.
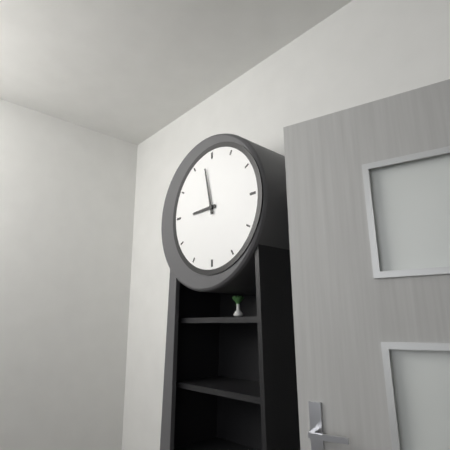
8:58
